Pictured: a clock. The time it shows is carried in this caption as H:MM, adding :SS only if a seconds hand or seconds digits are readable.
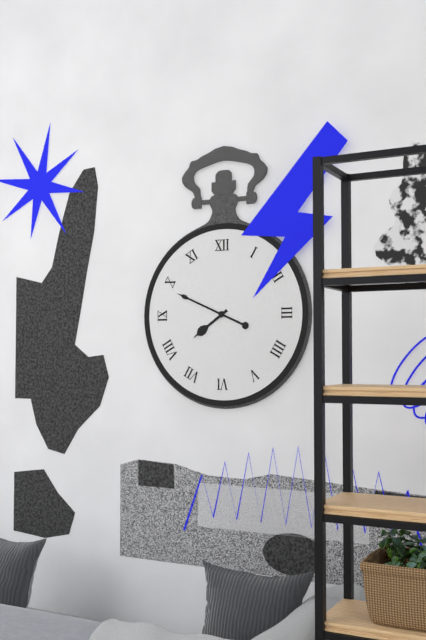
7:49
